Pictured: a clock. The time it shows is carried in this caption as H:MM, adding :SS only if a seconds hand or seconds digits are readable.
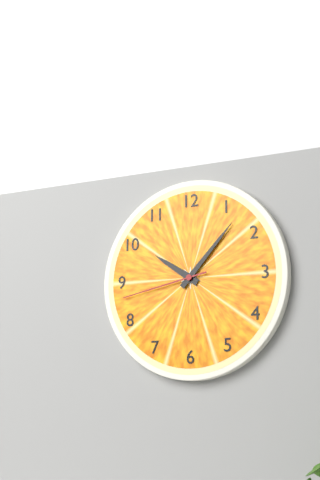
10:07:43
